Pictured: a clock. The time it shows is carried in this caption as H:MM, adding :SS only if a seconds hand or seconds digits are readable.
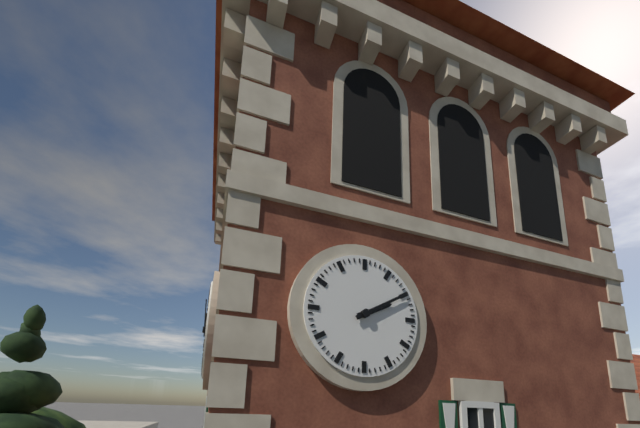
2:10
